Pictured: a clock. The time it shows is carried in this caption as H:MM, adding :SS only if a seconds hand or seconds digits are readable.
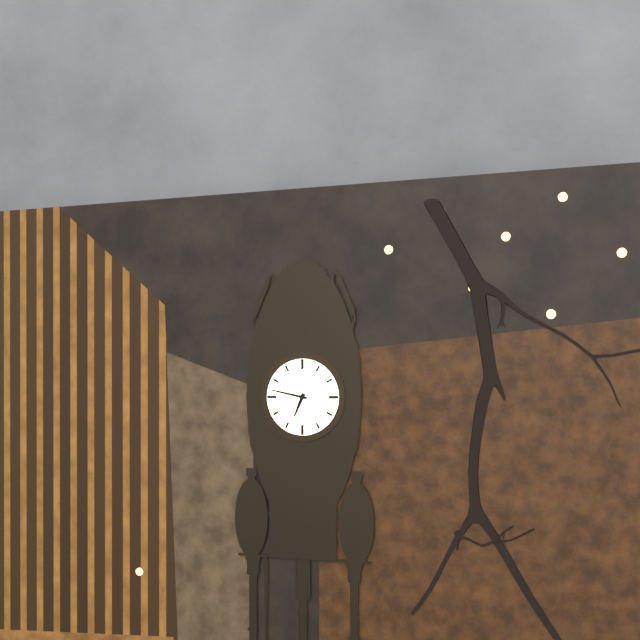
6:47
